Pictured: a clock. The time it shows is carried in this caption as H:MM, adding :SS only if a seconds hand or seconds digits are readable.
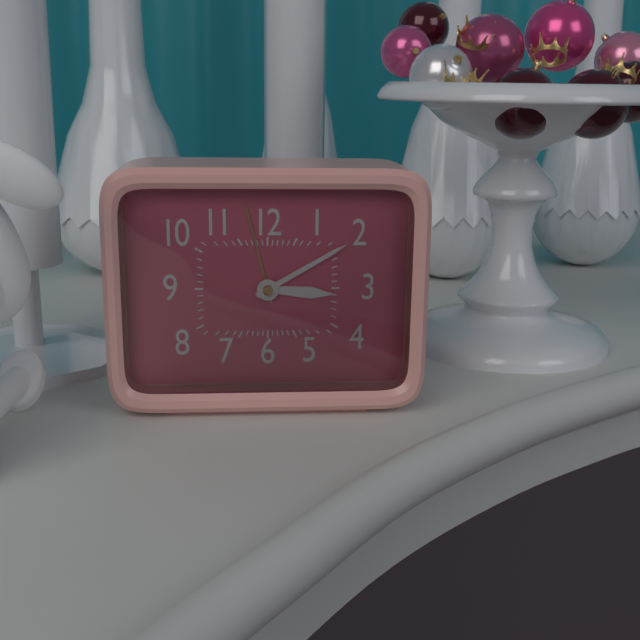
3:10
